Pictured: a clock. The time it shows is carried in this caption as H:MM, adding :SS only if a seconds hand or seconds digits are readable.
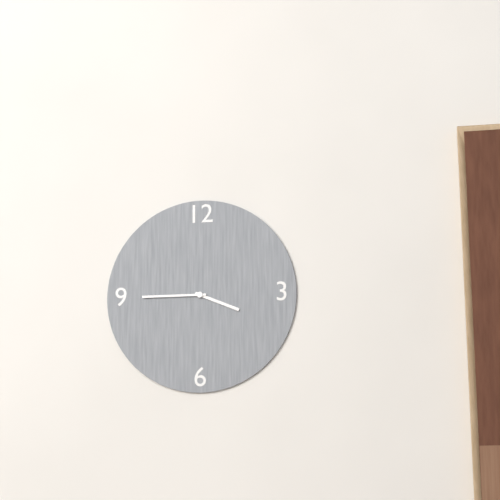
3:45
